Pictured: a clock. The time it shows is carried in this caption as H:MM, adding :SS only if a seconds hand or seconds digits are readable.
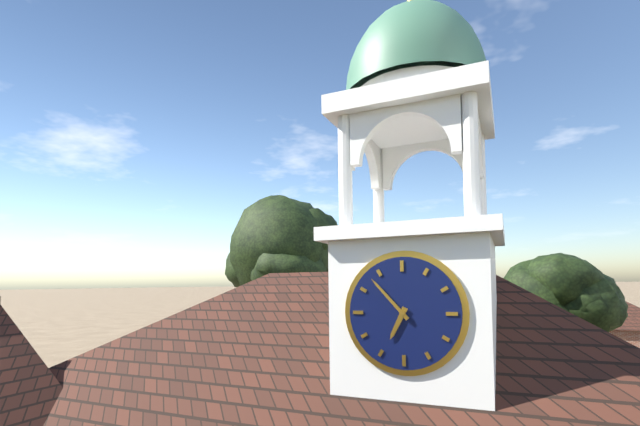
6:53
